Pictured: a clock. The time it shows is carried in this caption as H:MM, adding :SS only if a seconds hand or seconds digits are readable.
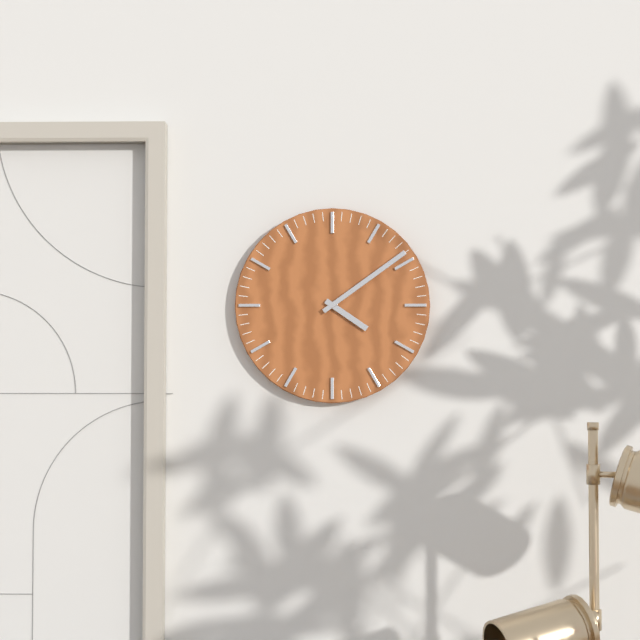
4:09
